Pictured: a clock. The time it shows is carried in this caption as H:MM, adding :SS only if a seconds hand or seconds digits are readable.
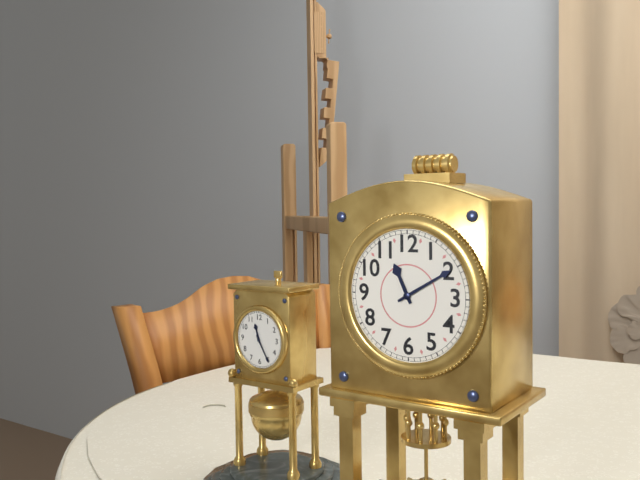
11:10
